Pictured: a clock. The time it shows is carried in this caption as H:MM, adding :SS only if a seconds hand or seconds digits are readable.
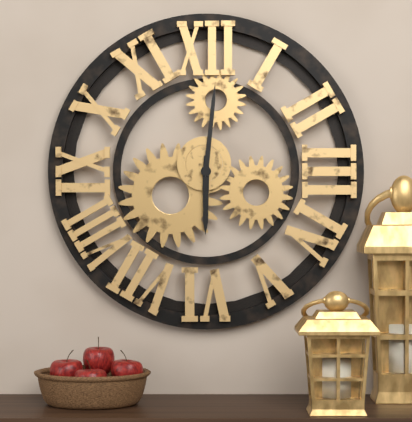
6:01
